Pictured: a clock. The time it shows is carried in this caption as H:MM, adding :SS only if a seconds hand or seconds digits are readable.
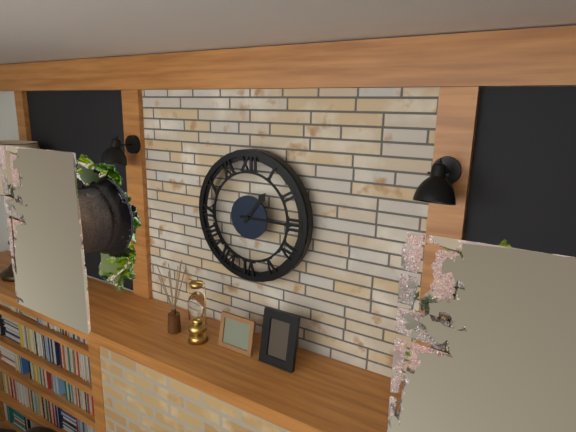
1:15
